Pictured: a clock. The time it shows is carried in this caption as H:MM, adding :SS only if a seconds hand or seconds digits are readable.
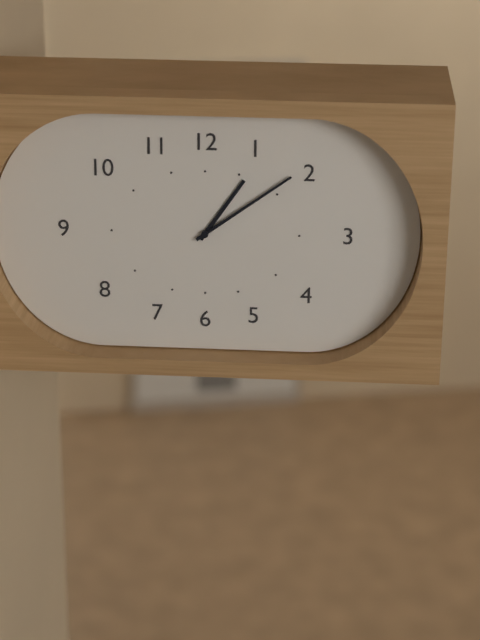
1:09
